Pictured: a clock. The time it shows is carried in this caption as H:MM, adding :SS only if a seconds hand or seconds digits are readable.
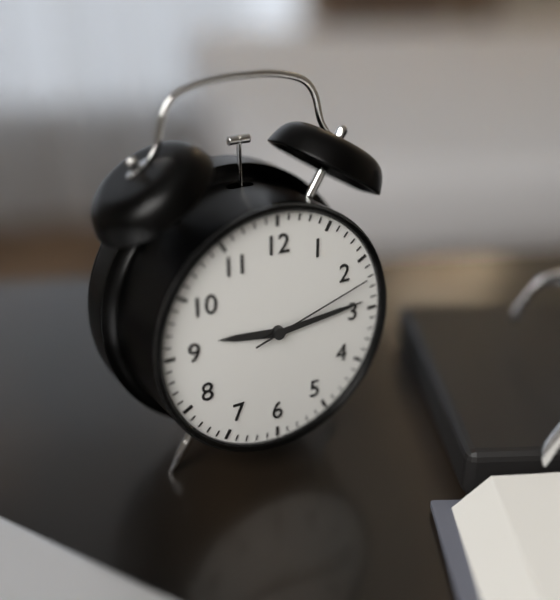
9:14:12
